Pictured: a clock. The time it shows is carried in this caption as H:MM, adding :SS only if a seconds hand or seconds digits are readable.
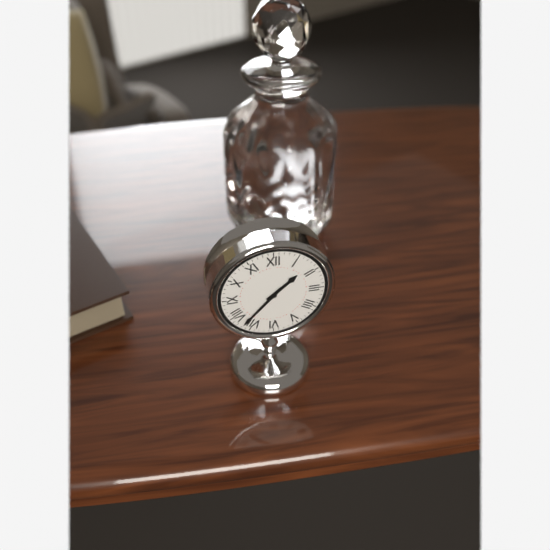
1:37
